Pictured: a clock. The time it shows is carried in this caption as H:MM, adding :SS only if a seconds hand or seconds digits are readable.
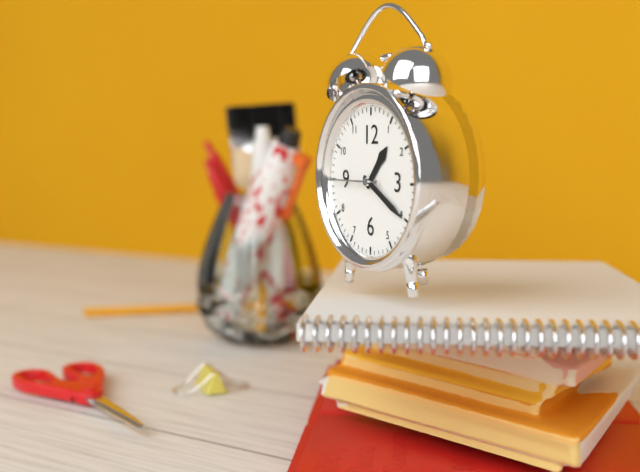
1:20
